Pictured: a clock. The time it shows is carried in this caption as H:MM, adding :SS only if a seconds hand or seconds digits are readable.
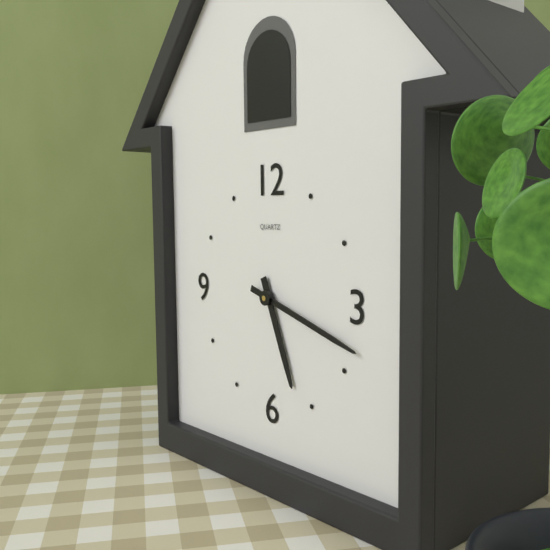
5:18
